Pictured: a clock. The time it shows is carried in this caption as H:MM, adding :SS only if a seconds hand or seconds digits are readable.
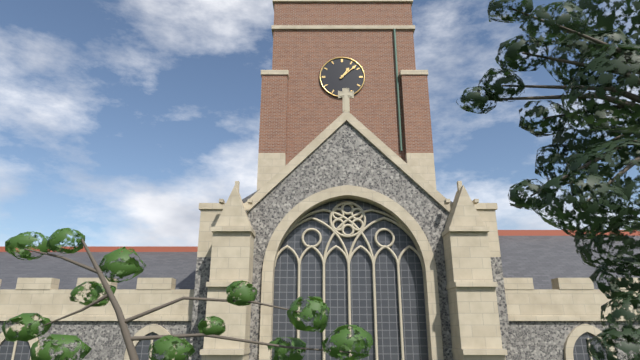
1:08
